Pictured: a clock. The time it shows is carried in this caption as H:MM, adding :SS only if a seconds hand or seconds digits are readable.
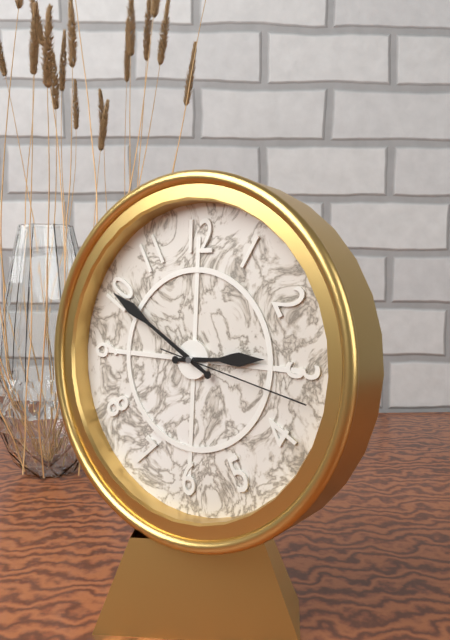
2:50:17
